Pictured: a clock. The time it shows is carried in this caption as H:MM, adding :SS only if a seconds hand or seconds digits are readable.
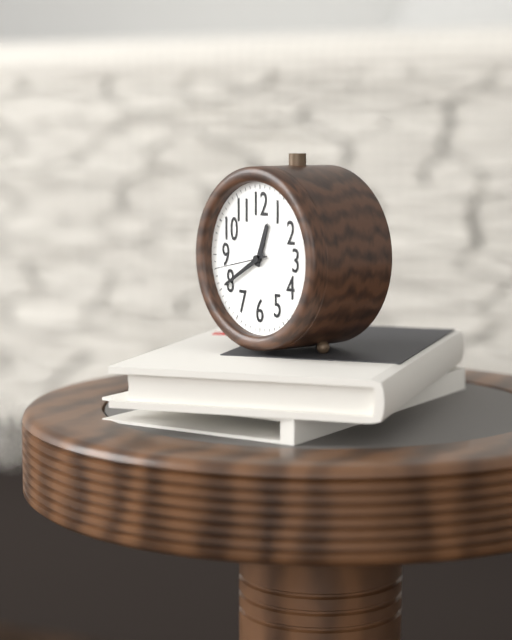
12:40:43
